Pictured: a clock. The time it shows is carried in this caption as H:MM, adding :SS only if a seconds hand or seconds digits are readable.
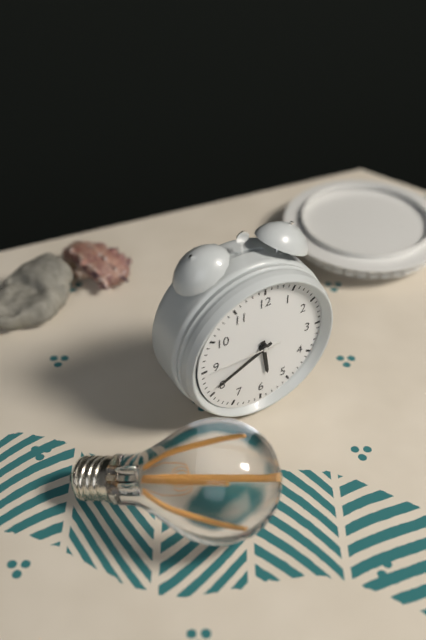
5:41:45
